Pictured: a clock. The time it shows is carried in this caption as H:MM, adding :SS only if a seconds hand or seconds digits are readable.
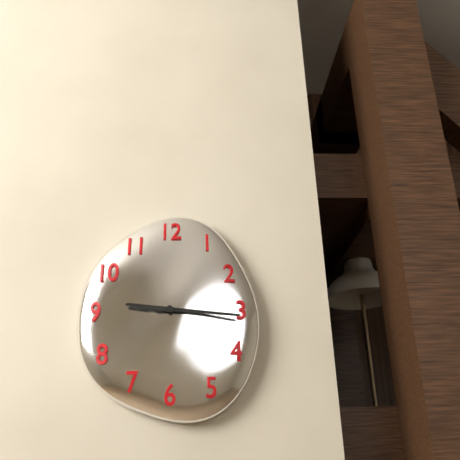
9:16
